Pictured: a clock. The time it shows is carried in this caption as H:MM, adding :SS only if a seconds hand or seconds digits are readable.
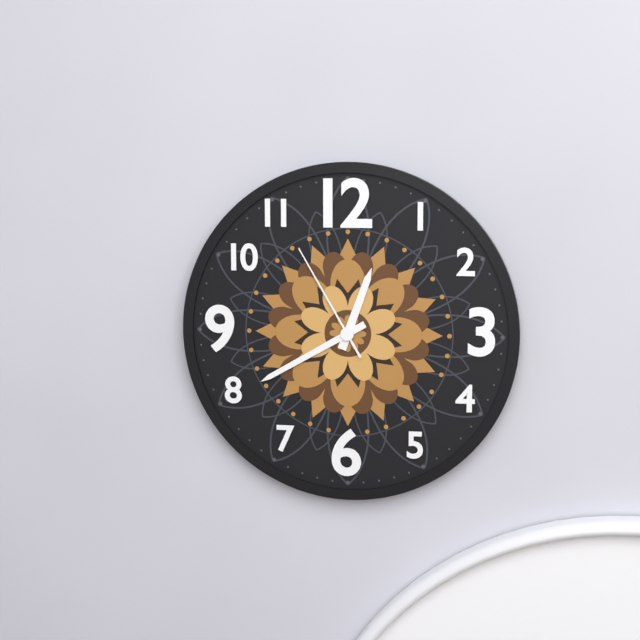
12:40:55
